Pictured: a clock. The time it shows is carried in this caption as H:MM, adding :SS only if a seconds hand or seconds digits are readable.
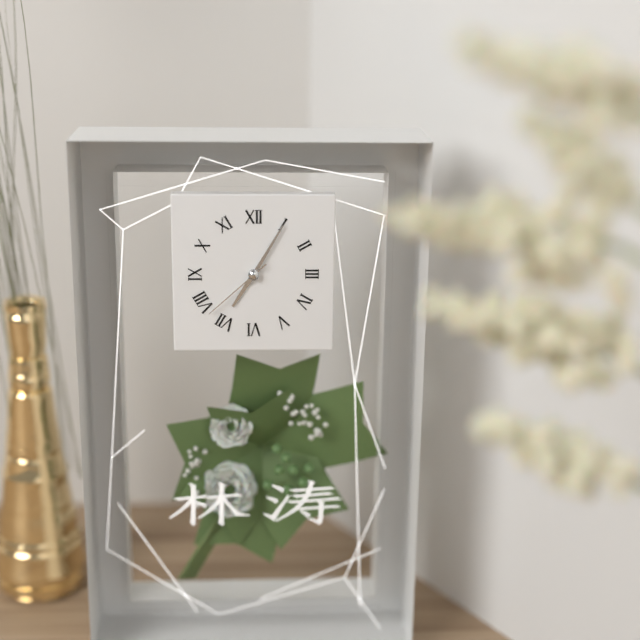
7:05:38
